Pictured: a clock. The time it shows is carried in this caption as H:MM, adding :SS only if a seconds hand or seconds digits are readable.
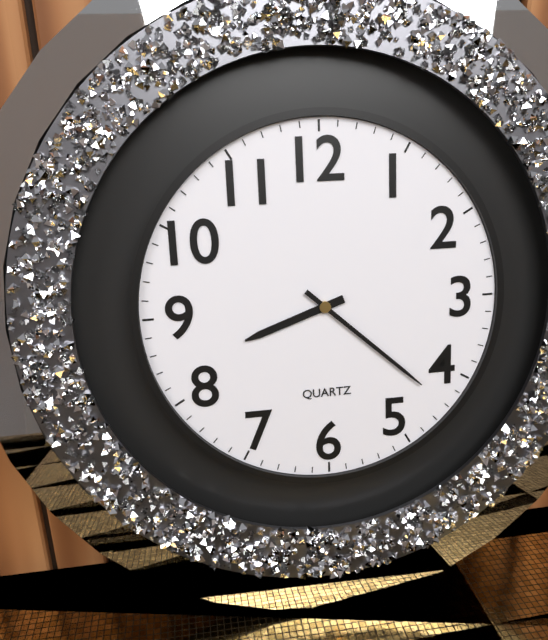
8:22
